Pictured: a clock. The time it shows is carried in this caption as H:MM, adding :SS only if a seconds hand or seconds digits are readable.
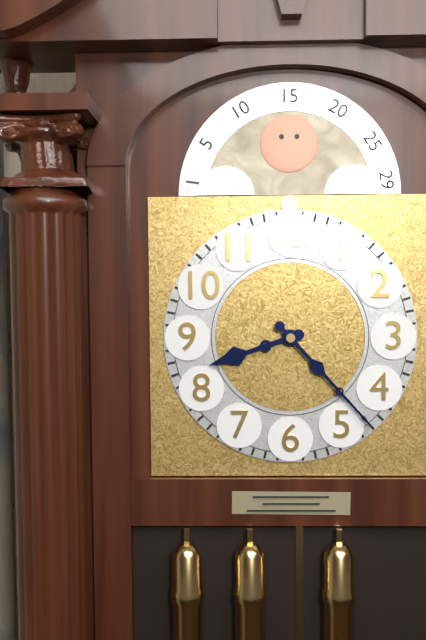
8:23
